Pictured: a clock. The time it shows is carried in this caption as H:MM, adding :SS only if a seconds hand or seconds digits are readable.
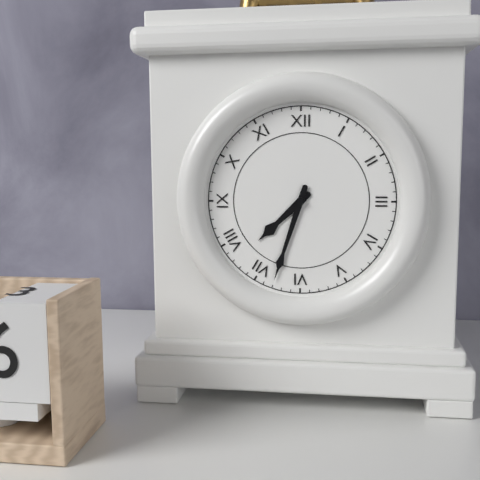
7:33
